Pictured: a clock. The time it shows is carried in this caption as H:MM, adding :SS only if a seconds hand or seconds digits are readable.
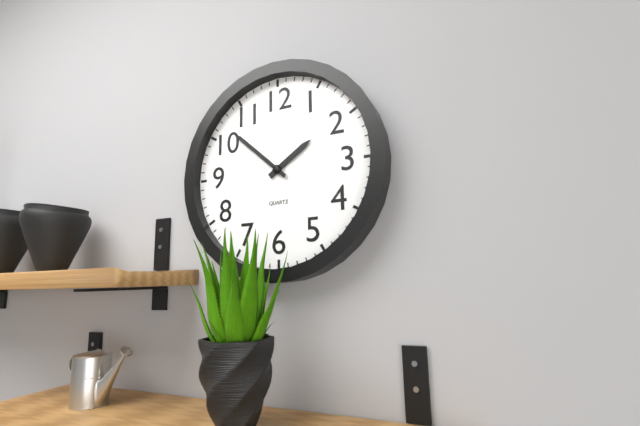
1:52
